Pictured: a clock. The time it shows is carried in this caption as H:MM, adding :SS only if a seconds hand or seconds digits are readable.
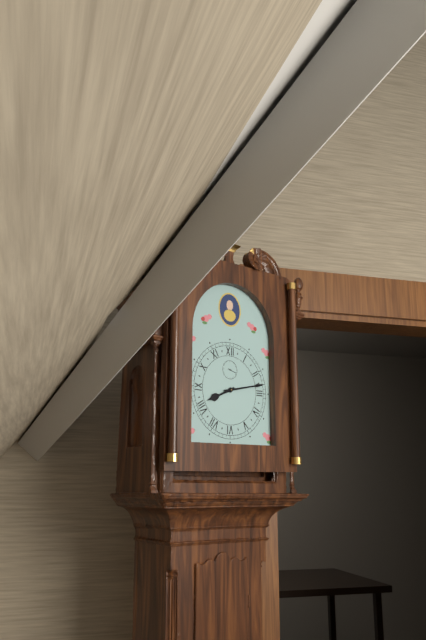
8:13
